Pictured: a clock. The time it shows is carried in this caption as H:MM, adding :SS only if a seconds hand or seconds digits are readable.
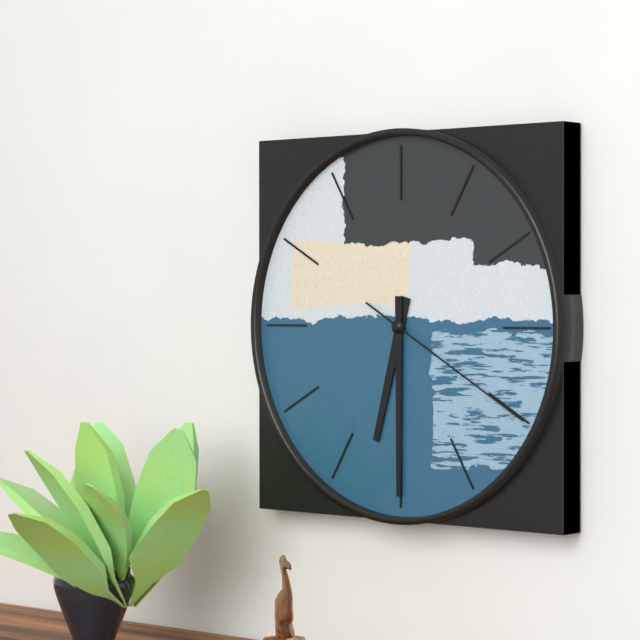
6:30:20
